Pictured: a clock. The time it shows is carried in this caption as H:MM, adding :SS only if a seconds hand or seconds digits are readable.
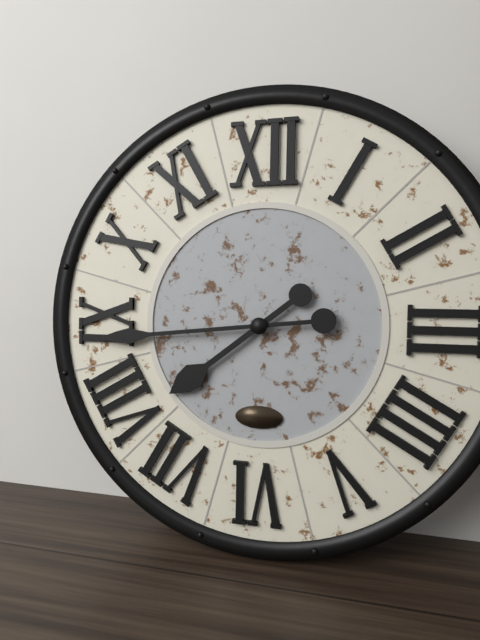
7:44
